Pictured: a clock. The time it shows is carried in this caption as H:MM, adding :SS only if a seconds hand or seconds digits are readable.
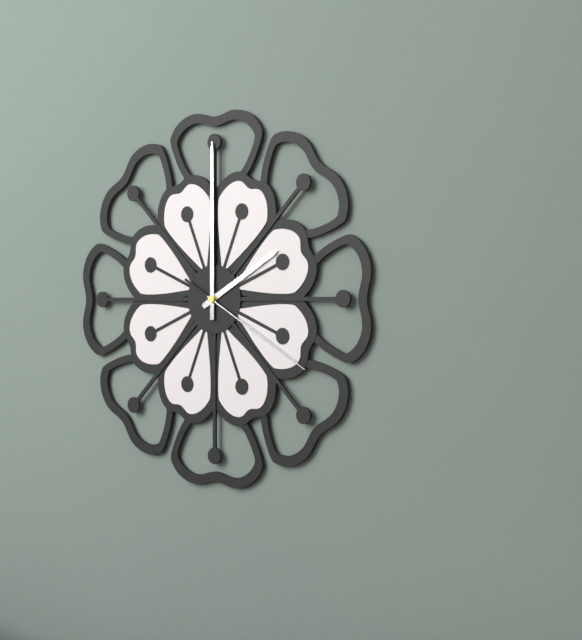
2:00:20
